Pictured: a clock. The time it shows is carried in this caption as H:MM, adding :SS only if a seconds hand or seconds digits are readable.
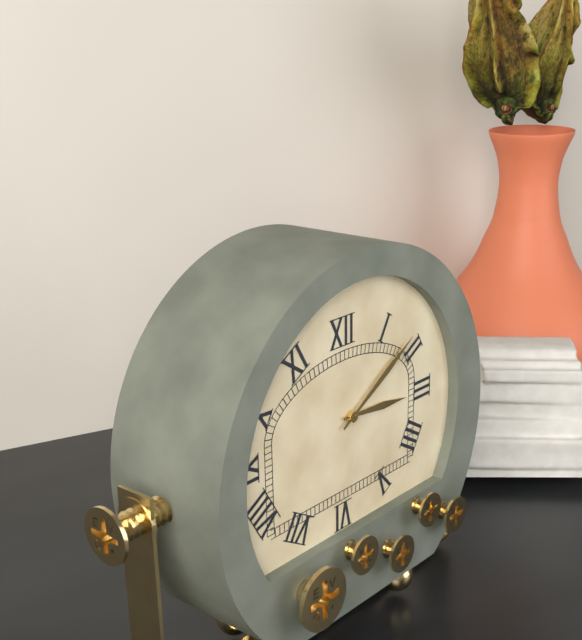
3:10
